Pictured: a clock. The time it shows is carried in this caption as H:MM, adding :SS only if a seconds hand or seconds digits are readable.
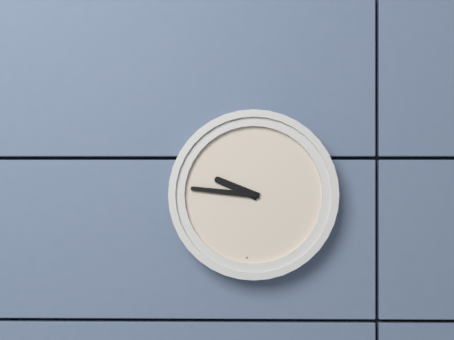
9:46
